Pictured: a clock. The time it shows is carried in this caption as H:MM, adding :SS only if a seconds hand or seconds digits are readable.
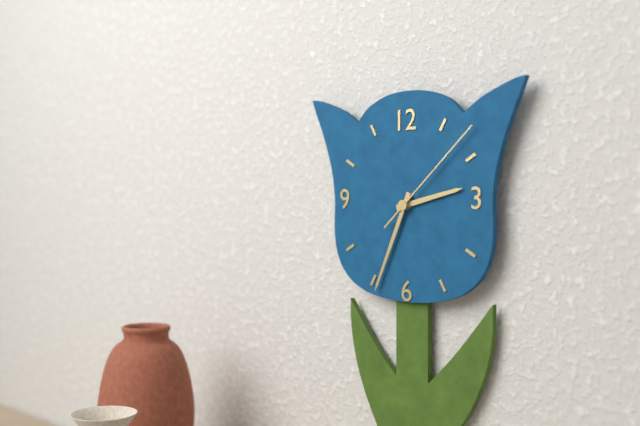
2:34:08
